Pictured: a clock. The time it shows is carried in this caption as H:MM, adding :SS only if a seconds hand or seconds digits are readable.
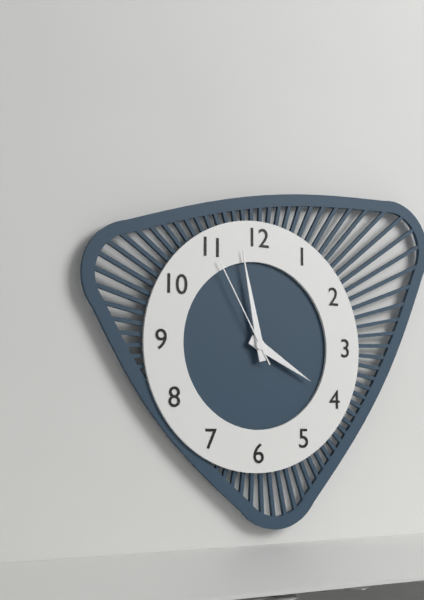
3:58:55
